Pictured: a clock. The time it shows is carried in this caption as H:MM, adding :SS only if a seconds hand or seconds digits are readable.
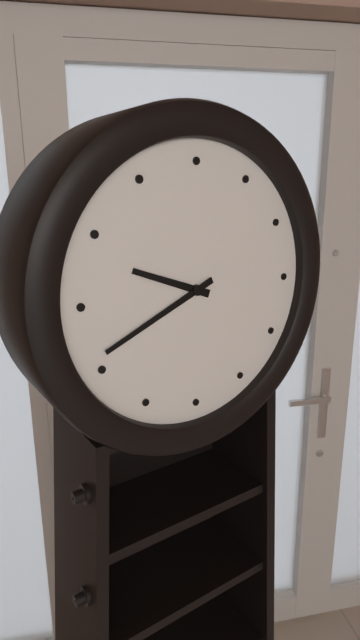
9:41
